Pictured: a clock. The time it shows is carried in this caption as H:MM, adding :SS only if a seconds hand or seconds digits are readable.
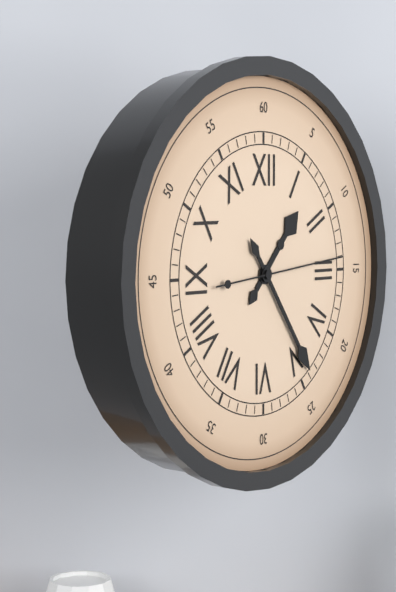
1:24:14
